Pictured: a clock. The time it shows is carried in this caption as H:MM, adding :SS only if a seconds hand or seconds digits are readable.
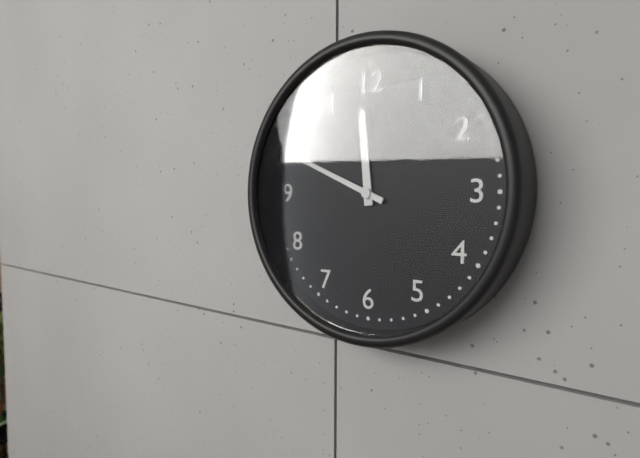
11:49
